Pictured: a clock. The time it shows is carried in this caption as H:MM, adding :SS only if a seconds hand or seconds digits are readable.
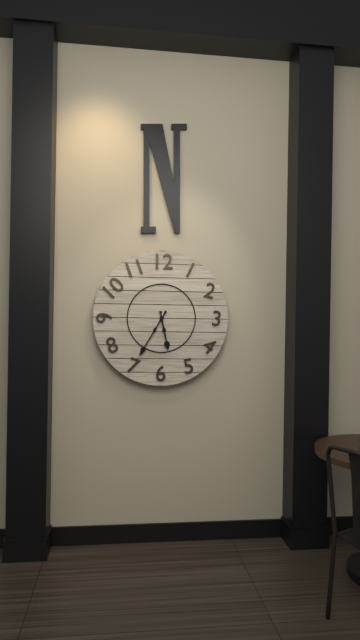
5:35
